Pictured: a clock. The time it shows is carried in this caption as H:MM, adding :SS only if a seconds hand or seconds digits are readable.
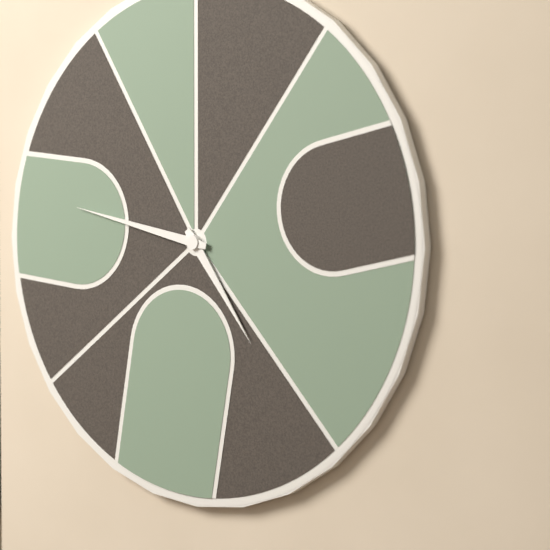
4:47
